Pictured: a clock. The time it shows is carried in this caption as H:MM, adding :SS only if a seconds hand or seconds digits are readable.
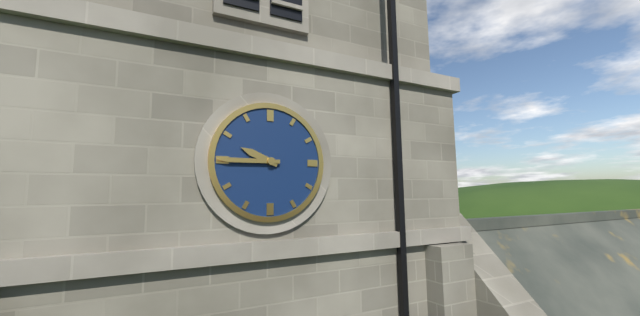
9:45
